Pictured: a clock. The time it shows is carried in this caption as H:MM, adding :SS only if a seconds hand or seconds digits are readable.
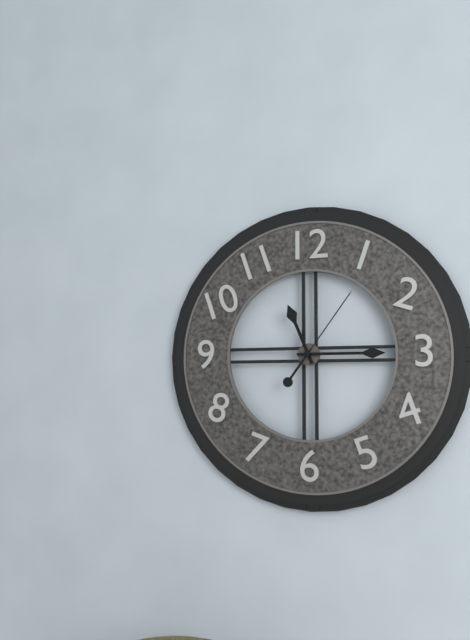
11:15:06
